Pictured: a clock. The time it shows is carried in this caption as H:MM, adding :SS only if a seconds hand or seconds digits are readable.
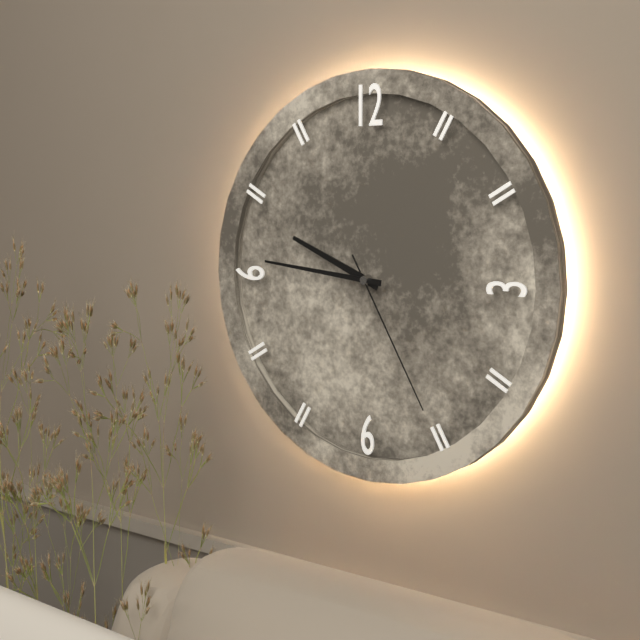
9:46:25
